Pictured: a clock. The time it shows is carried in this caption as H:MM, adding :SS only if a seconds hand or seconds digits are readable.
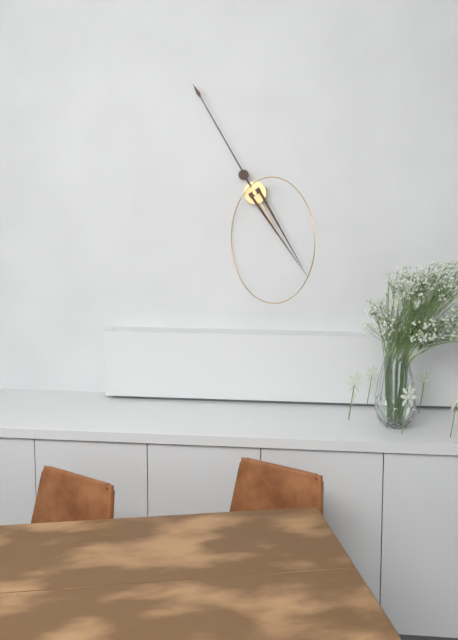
4:55
